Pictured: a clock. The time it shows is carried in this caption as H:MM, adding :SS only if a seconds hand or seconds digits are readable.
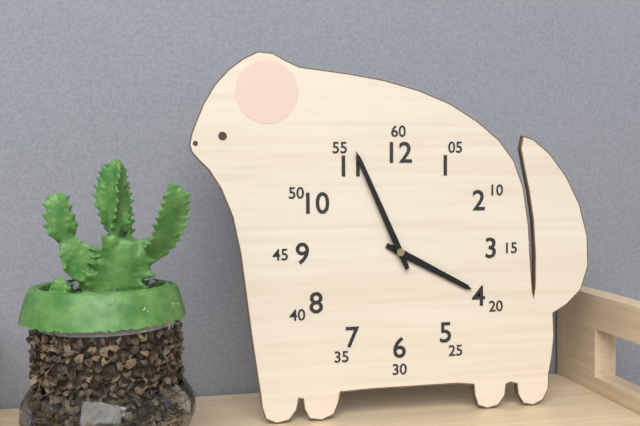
3:56
